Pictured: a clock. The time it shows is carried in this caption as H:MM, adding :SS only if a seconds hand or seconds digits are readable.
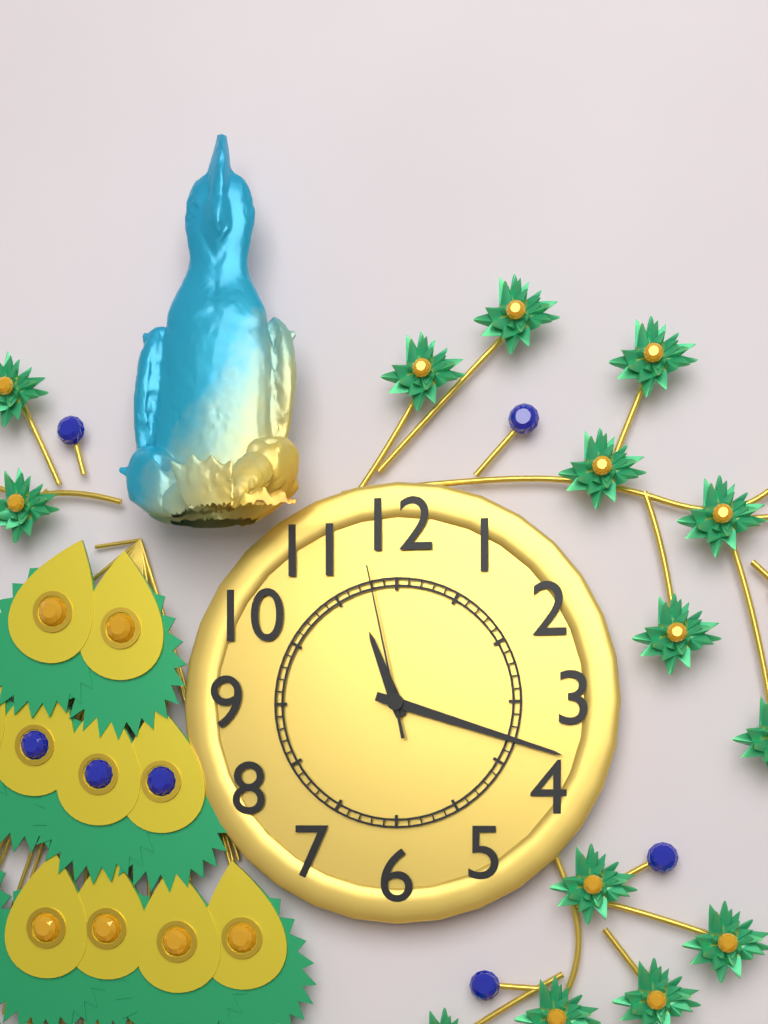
11:18:58
